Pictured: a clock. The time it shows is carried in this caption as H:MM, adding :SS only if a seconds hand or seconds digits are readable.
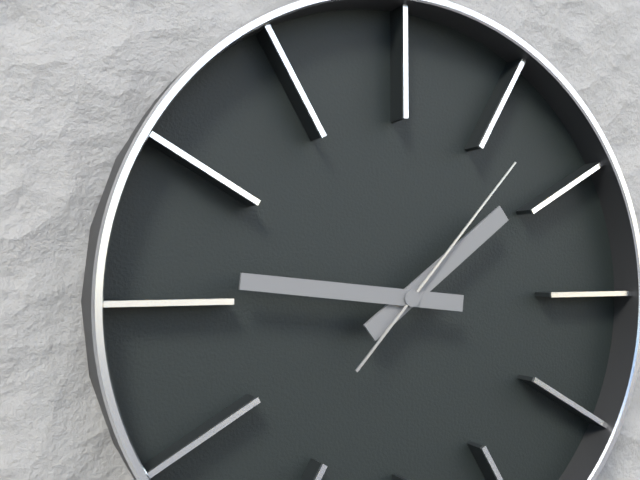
1:46:07
